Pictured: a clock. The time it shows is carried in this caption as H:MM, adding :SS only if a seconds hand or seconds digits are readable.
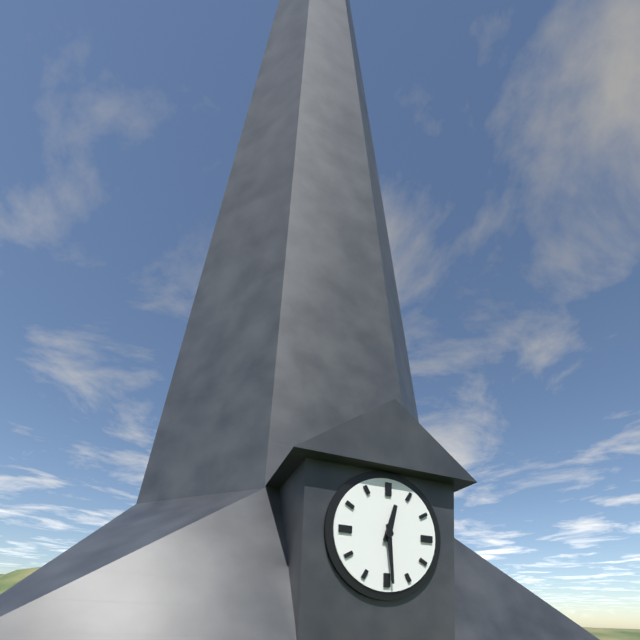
12:29
